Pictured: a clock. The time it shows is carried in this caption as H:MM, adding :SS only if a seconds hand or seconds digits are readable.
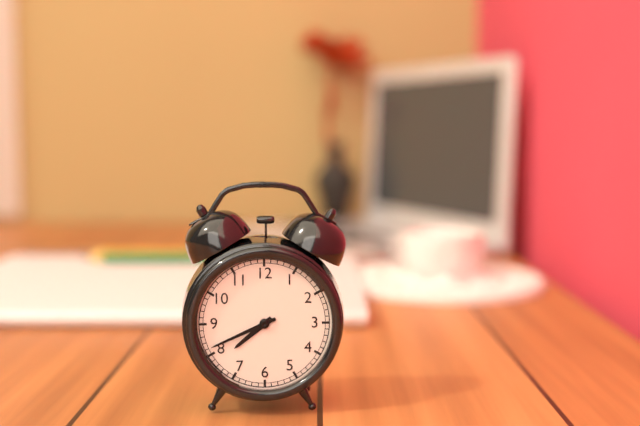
7:41
